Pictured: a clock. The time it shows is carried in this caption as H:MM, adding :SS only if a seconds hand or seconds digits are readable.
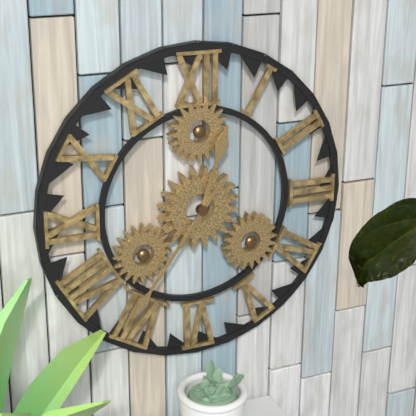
12:36
